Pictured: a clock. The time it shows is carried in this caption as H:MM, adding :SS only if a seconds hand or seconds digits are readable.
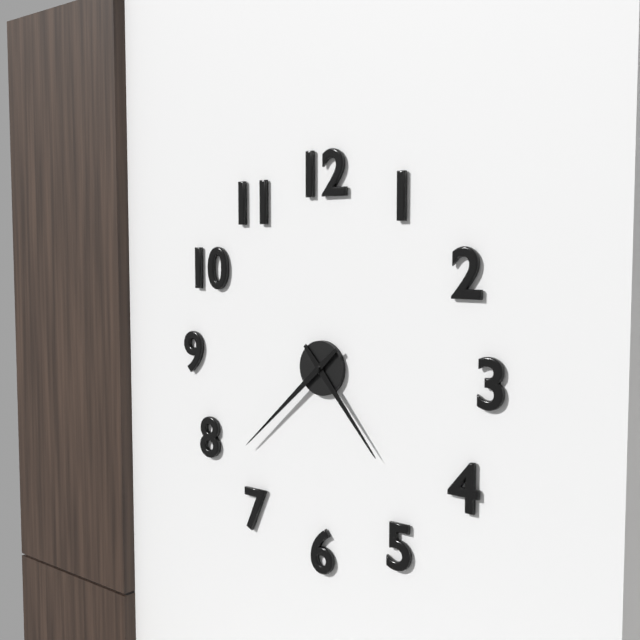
4:38
